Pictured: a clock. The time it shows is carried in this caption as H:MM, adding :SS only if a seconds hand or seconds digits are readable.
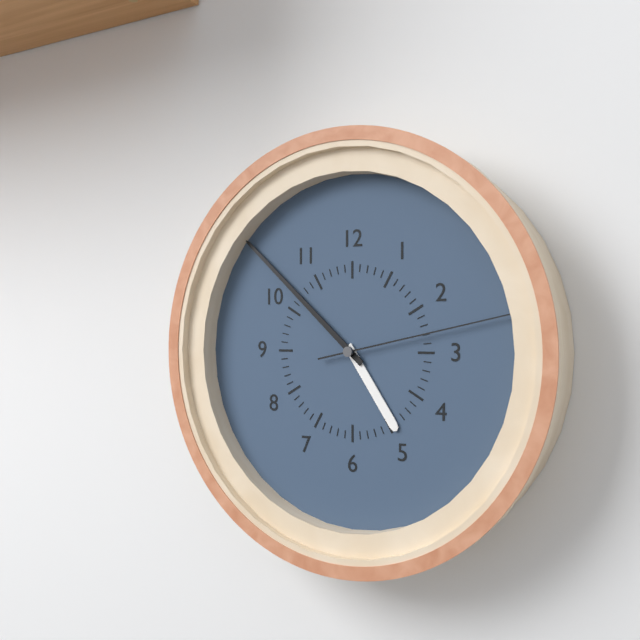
4:52:13
